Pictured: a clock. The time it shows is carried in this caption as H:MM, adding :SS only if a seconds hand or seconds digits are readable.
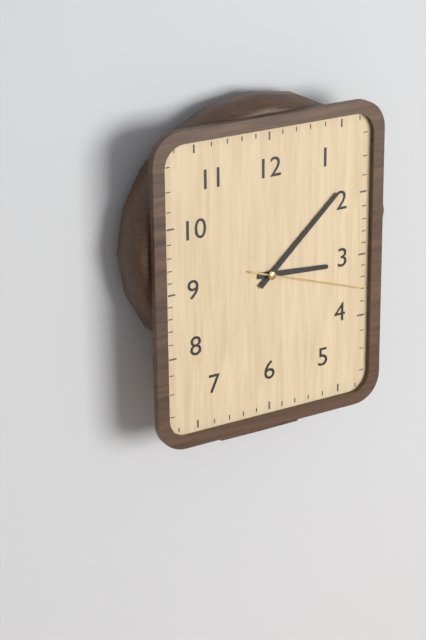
3:08:18
